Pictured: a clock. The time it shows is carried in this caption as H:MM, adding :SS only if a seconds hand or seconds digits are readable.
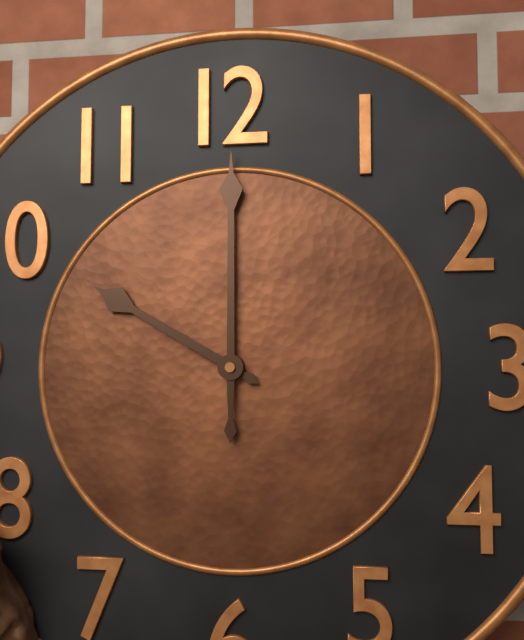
10:00
